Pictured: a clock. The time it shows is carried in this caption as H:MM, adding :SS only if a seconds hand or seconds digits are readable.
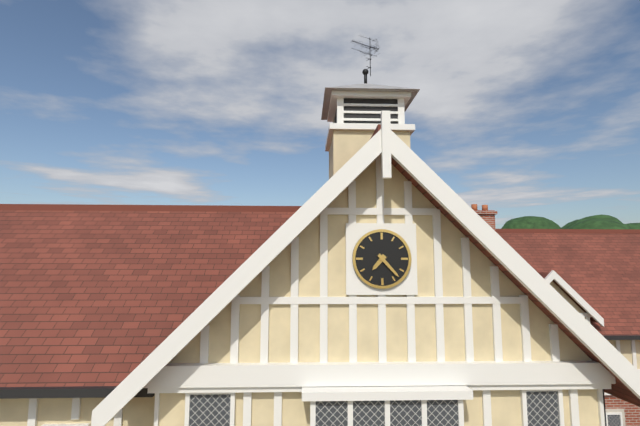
7:23
